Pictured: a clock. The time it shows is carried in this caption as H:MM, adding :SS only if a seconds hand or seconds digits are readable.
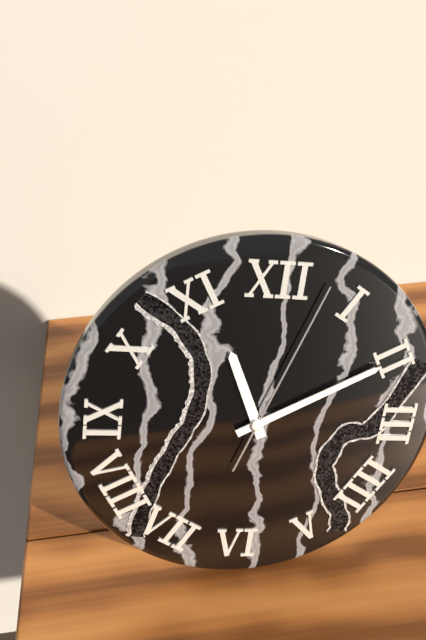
11:10:03
